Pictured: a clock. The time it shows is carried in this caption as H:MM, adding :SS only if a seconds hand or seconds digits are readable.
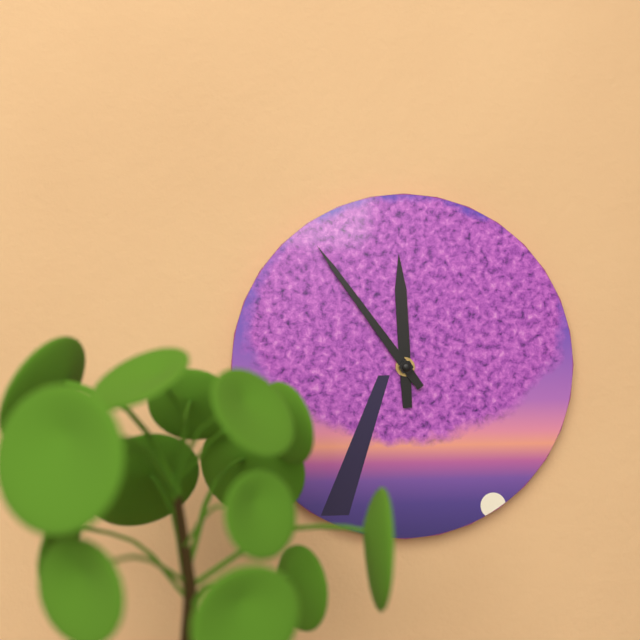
11:54
